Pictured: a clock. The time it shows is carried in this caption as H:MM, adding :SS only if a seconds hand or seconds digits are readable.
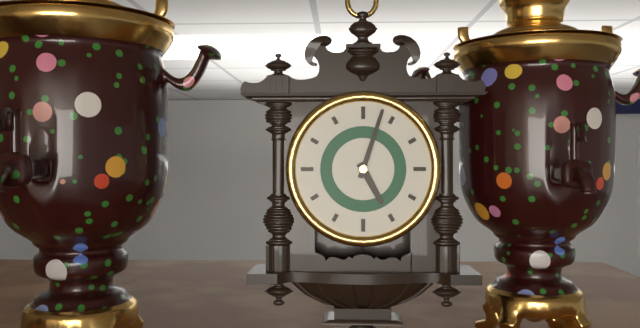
5:03
